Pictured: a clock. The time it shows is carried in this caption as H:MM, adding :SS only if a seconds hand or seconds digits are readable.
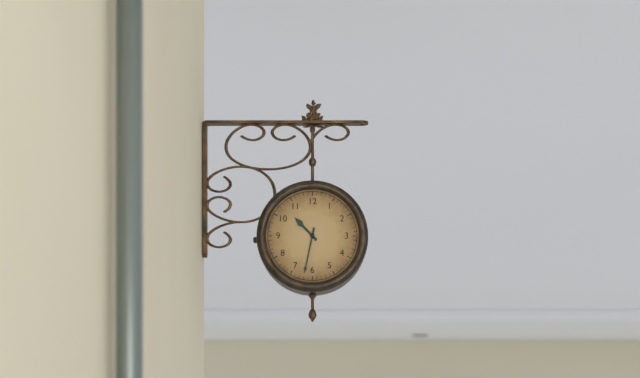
10:32
